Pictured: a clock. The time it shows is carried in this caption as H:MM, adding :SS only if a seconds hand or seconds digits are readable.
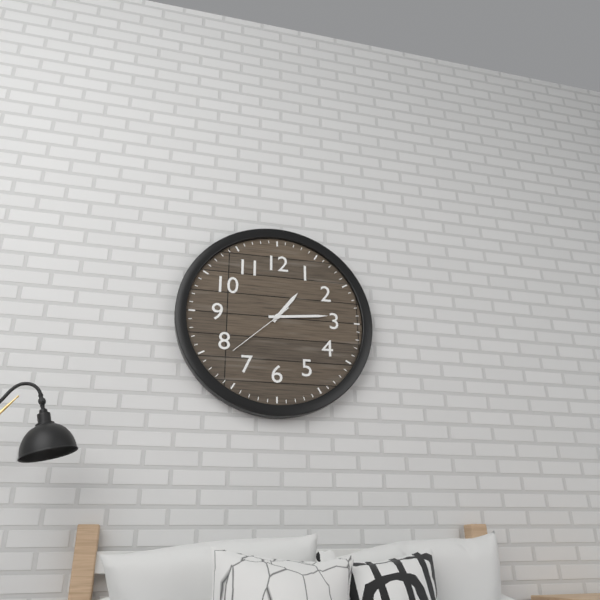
1:14:38
